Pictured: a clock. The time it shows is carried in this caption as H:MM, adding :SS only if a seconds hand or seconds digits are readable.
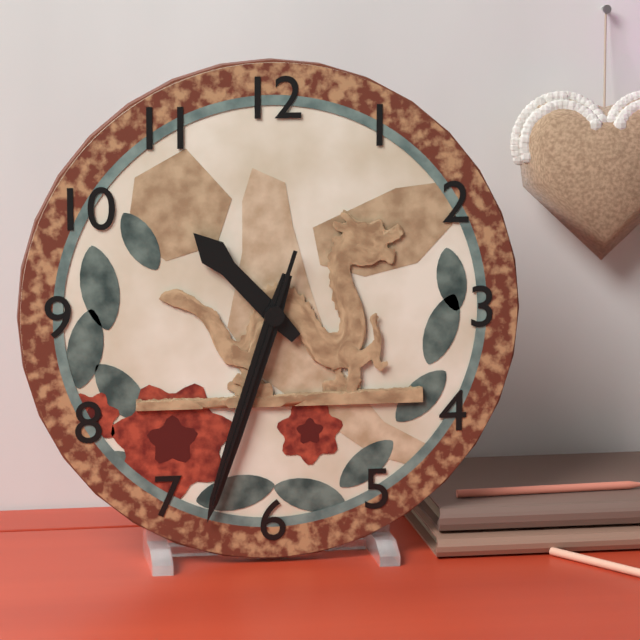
10:33:33
